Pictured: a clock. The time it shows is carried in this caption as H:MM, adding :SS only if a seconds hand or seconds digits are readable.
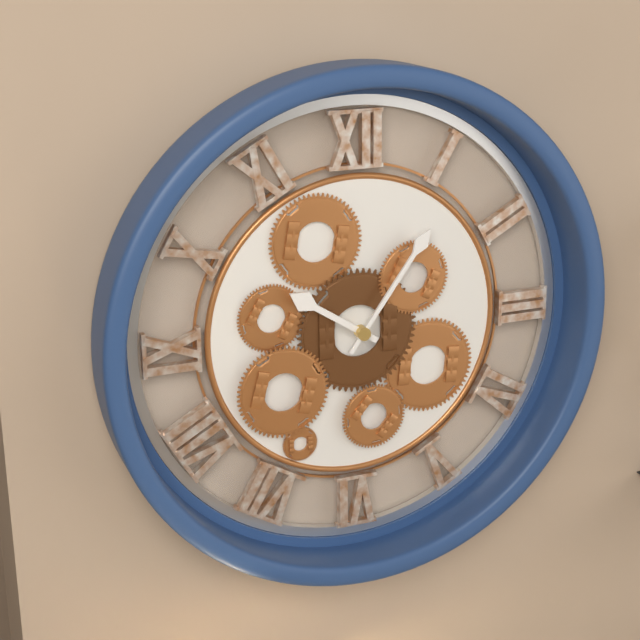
10:06
